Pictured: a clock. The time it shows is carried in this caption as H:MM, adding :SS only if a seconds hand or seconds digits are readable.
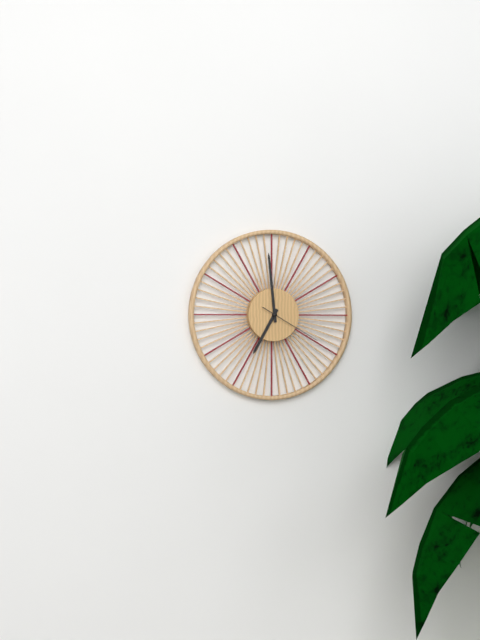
6:59:20
